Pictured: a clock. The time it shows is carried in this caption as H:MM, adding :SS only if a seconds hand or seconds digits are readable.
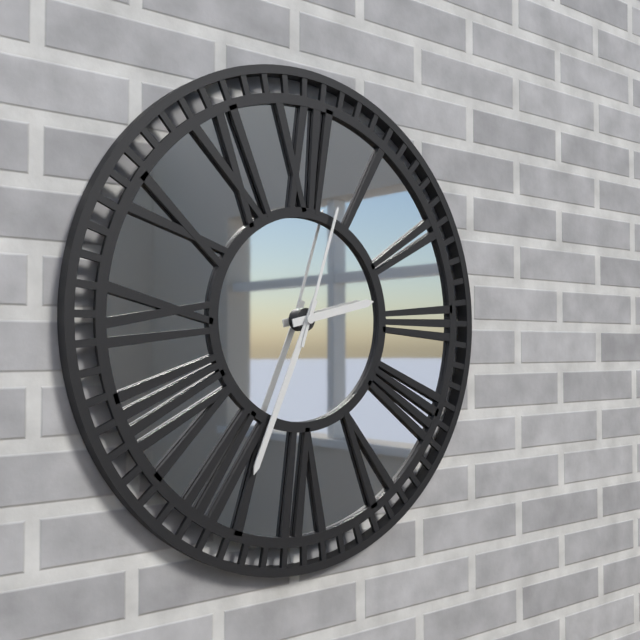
2:34:03
